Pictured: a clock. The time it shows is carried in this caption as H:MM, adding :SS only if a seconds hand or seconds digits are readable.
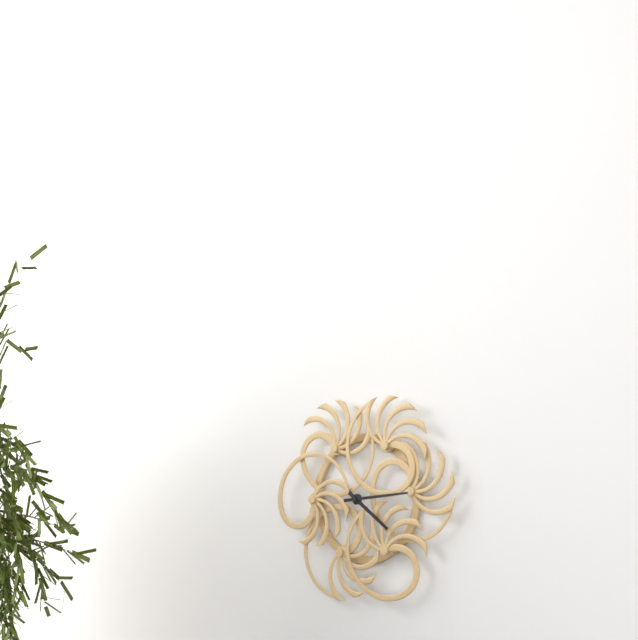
4:14
